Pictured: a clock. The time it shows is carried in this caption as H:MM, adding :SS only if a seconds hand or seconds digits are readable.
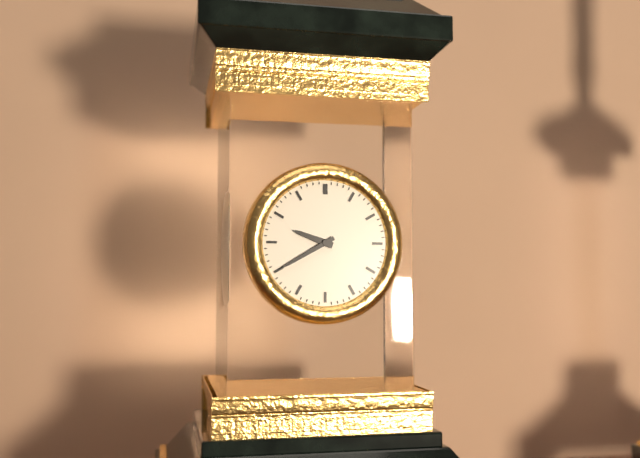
9:40
